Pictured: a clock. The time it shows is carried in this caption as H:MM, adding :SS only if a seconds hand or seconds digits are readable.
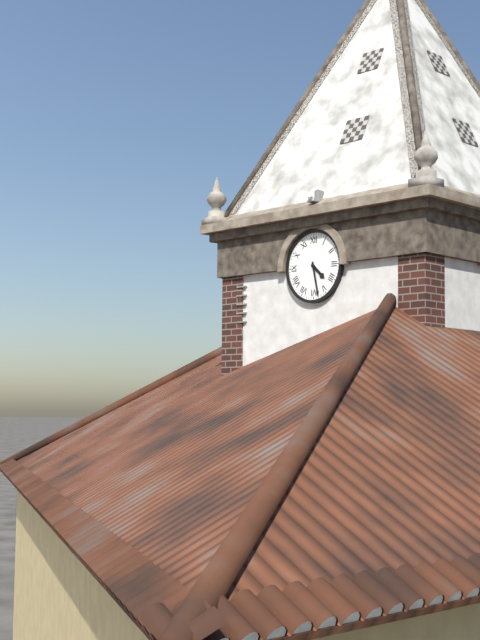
4:28
